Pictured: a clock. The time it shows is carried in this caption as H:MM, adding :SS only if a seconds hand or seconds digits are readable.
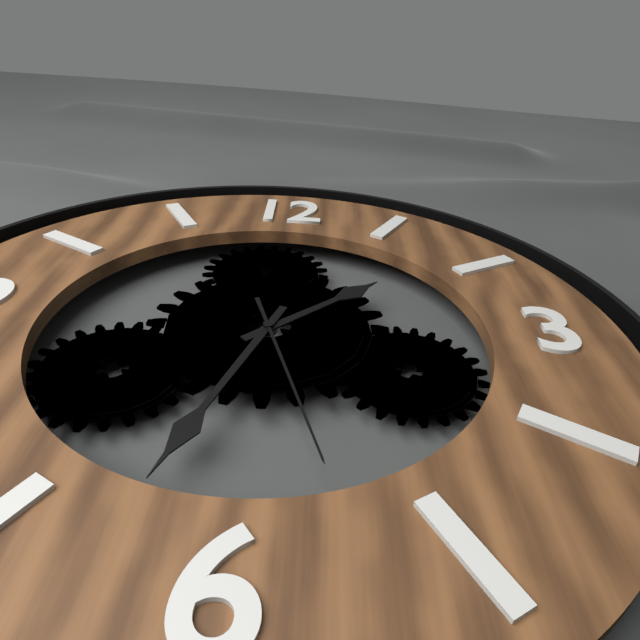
1:33:27
